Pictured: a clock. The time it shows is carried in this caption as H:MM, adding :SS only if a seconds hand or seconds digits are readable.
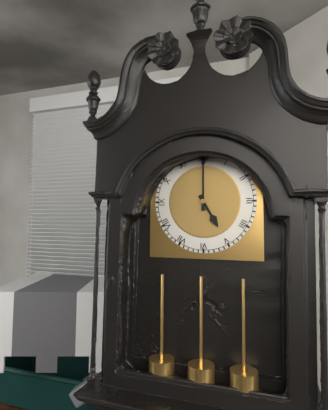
5:00
